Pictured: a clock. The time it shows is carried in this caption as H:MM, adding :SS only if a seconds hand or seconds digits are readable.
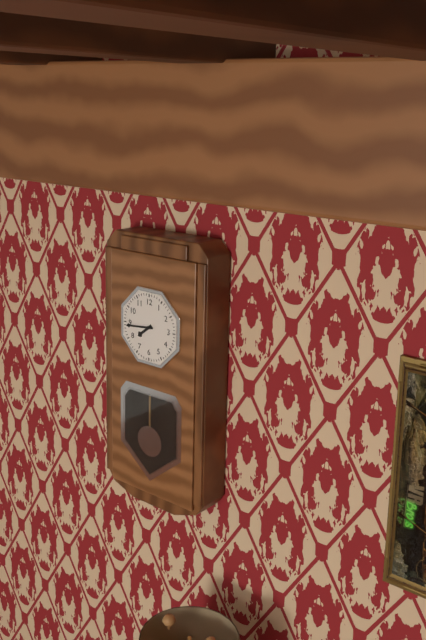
7:44
